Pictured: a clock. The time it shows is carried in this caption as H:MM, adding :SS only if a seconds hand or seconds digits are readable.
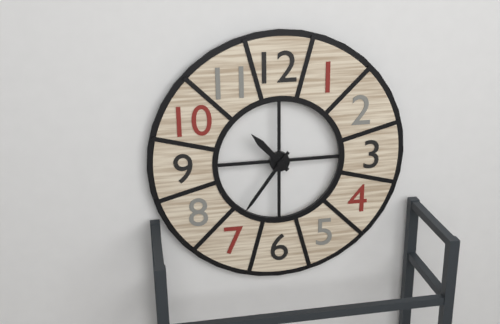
10:36
